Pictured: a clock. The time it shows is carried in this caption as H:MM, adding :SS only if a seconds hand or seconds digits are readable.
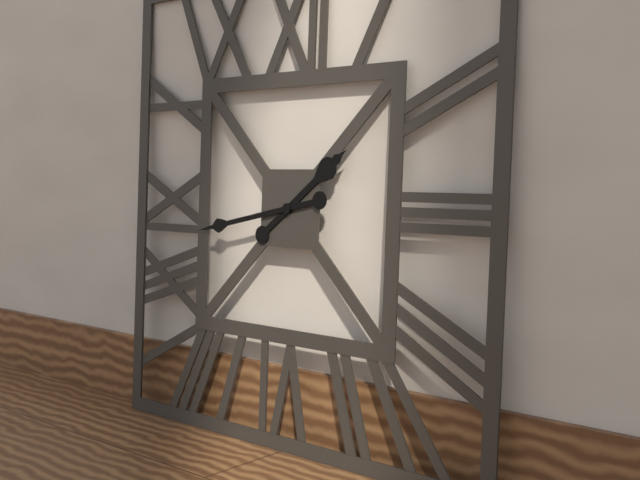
1:43
